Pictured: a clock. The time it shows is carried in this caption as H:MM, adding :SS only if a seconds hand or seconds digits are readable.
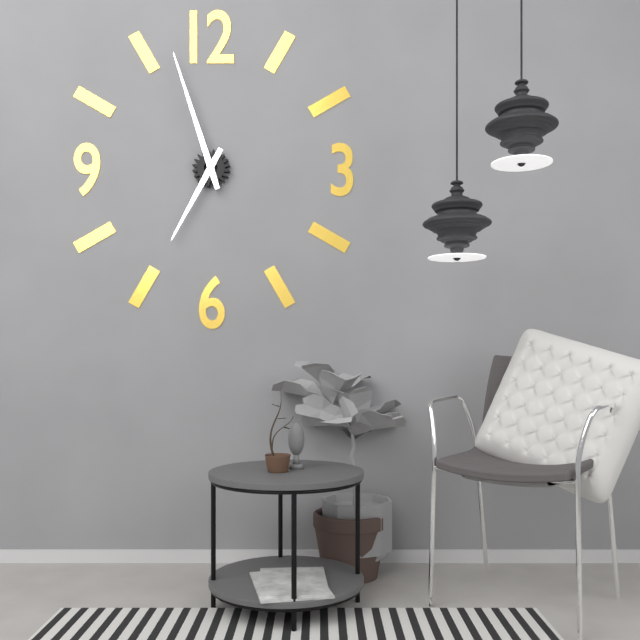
6:57
